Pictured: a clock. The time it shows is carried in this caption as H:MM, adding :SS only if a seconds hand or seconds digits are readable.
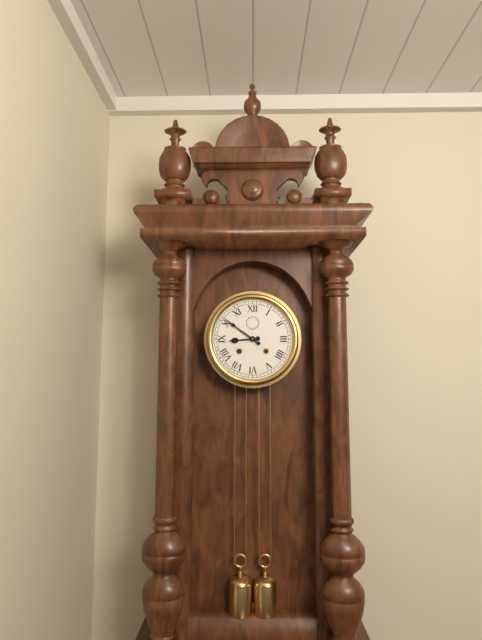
8:51
